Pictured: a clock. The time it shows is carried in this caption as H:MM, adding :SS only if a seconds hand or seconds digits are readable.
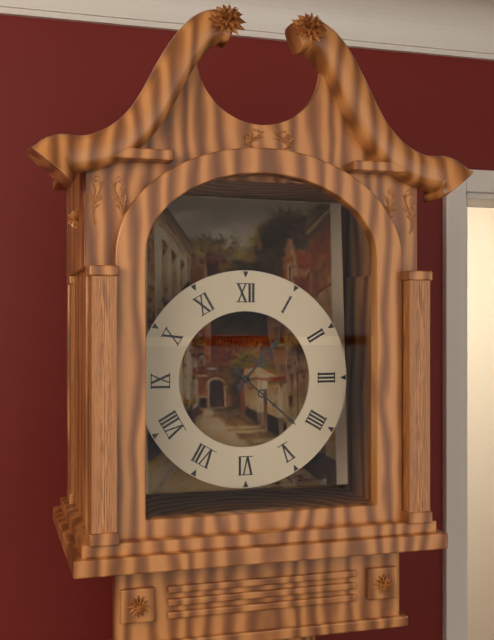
1:22
